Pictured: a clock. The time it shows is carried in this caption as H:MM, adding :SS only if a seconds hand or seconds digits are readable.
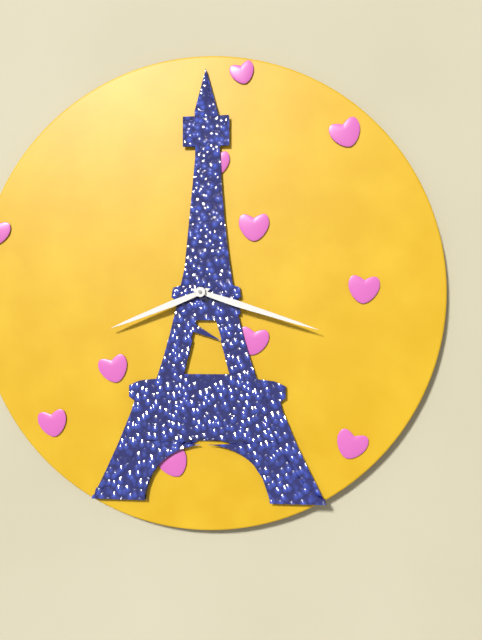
8:18
